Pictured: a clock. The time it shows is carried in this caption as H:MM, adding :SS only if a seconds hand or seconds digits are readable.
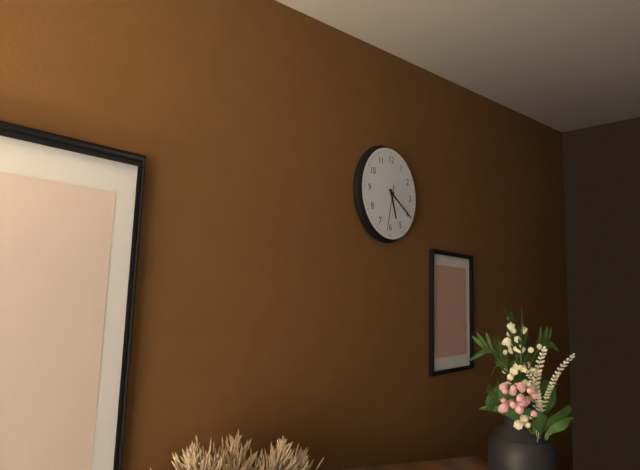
5:20
